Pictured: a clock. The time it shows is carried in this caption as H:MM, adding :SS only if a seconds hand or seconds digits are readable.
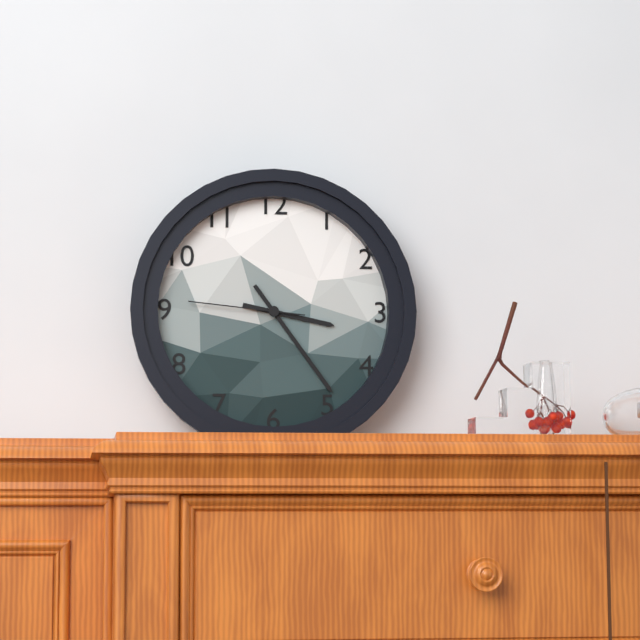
3:24:46
